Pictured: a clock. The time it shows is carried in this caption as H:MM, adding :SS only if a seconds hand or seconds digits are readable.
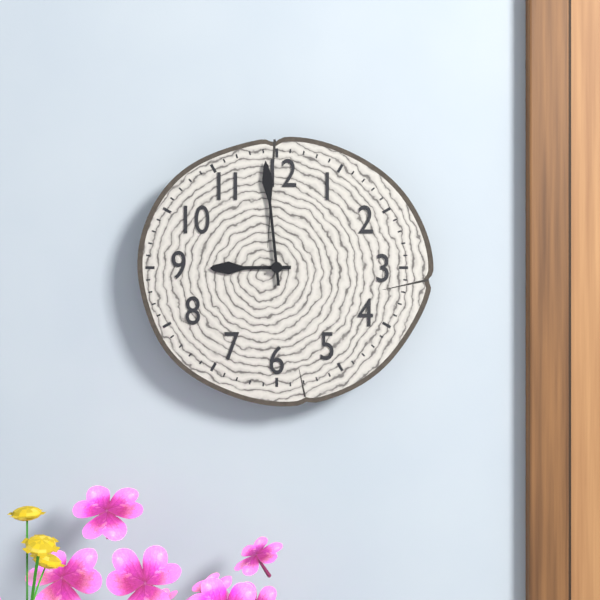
8:59
